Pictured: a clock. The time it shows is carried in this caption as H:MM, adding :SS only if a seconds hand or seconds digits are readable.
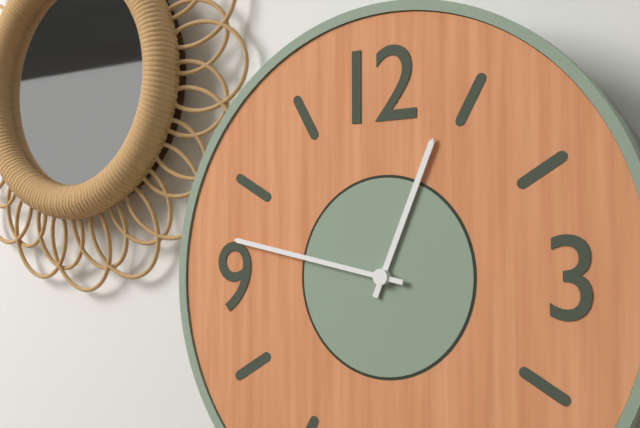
12:47
